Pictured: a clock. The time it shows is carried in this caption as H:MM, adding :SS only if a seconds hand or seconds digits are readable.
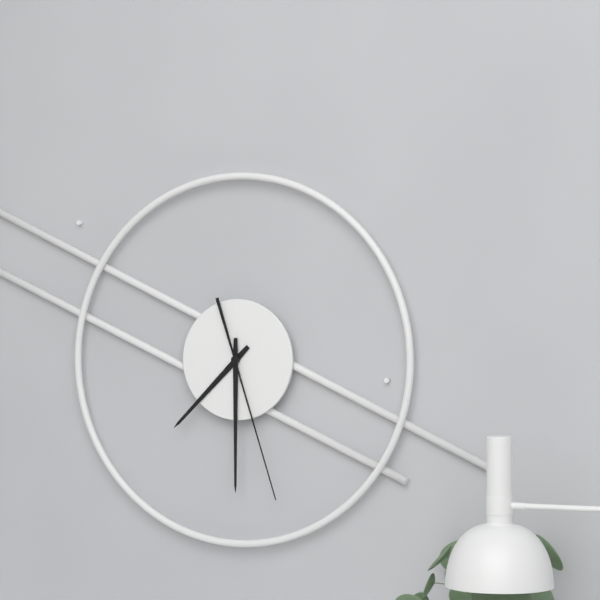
7:30:27
